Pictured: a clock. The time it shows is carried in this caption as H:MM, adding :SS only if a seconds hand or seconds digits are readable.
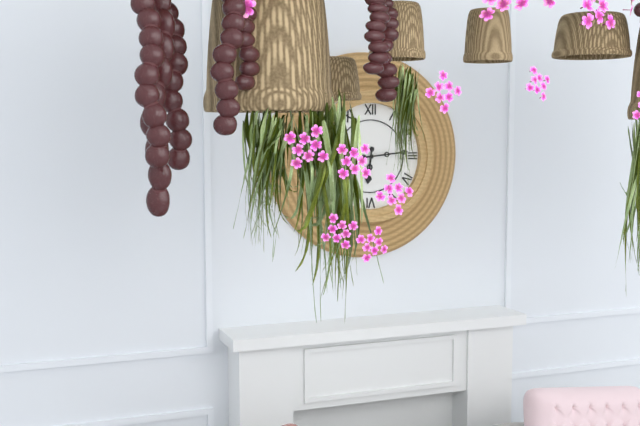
6:14
